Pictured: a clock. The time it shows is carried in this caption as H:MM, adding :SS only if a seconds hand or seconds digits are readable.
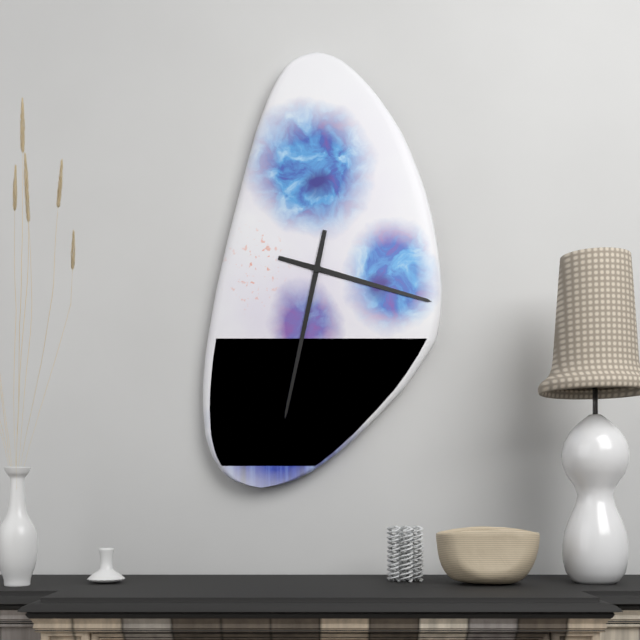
3:32
